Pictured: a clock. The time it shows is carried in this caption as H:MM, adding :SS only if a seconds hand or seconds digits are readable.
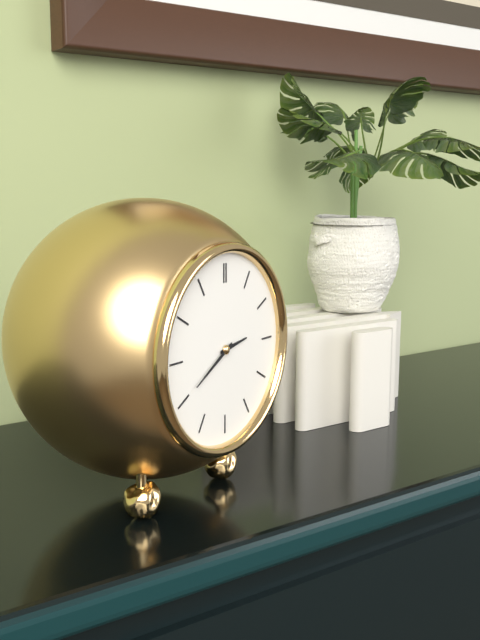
2:40
